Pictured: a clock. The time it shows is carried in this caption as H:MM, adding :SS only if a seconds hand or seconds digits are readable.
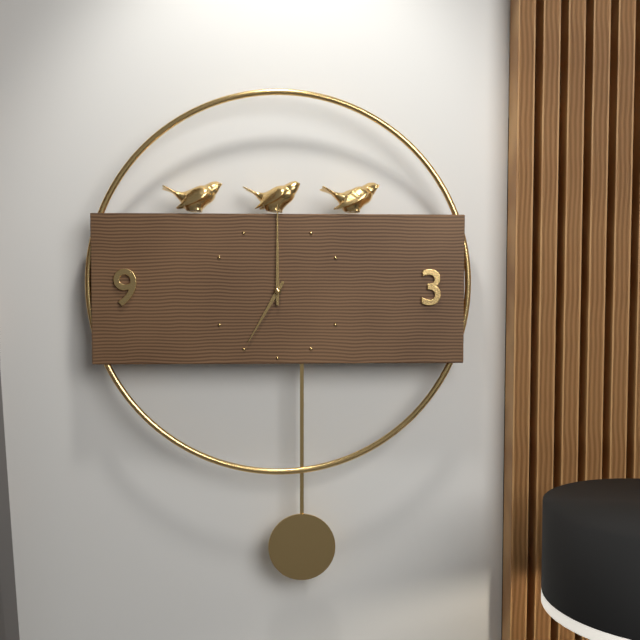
7:00
